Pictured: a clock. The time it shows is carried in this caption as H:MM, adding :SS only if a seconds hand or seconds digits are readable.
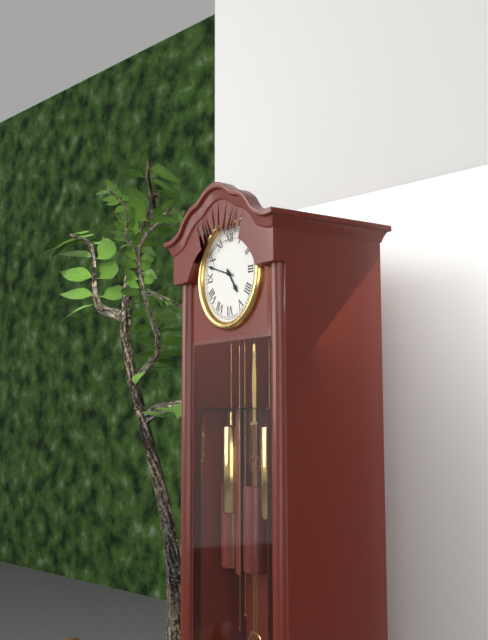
4:48
